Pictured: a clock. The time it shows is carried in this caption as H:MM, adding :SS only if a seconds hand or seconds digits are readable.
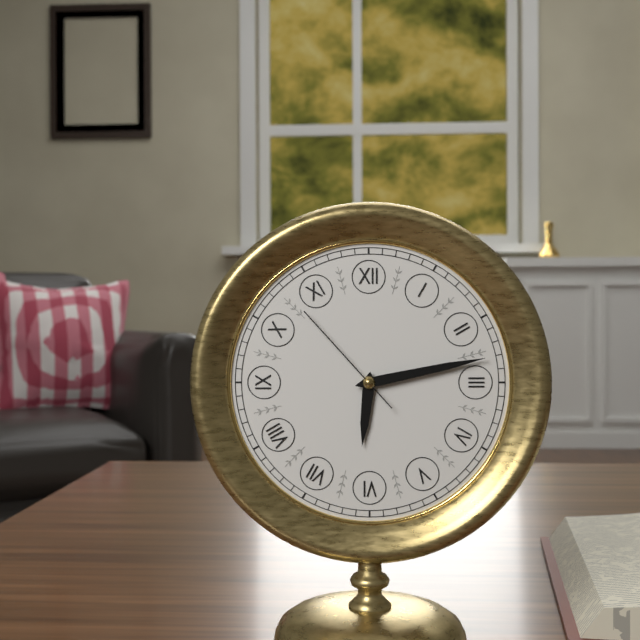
6:13:53
